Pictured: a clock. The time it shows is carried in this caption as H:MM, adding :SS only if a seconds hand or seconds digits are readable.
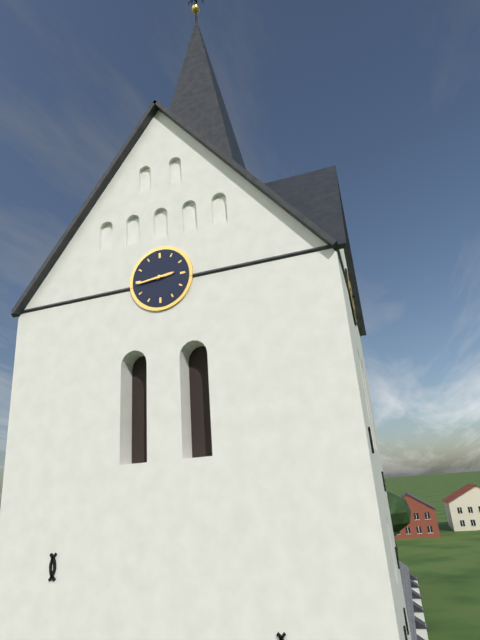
2:44
